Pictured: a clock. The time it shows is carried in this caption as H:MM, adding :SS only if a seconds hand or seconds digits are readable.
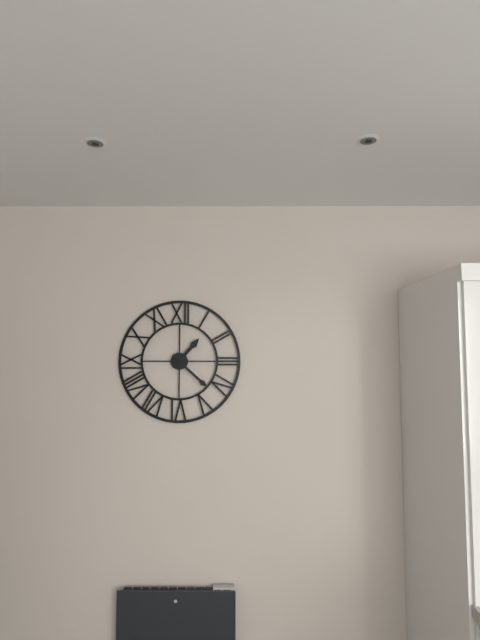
1:22
